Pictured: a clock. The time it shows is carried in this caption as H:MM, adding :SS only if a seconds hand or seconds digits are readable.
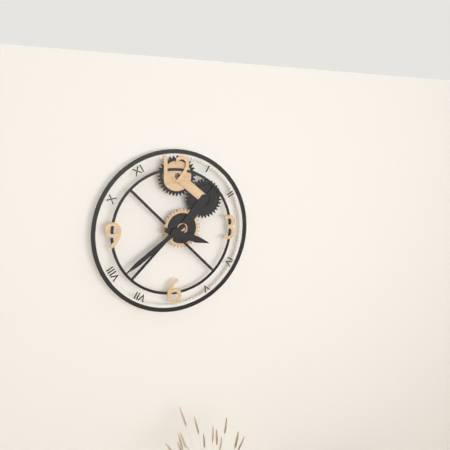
3:39
